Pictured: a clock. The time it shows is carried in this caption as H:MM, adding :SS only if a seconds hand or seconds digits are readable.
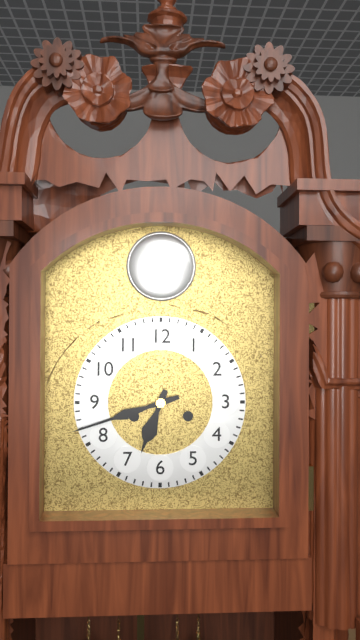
6:42
